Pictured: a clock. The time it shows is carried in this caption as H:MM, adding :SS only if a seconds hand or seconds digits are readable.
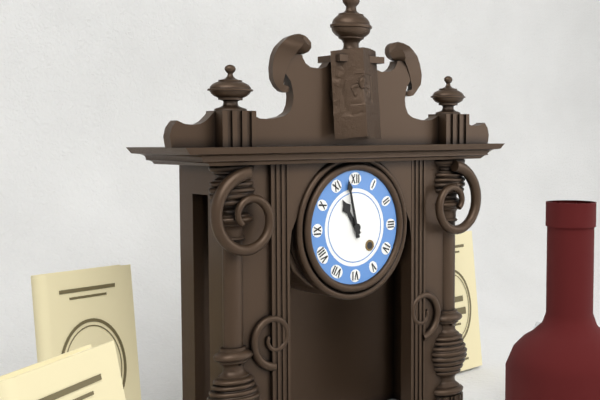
10:58
